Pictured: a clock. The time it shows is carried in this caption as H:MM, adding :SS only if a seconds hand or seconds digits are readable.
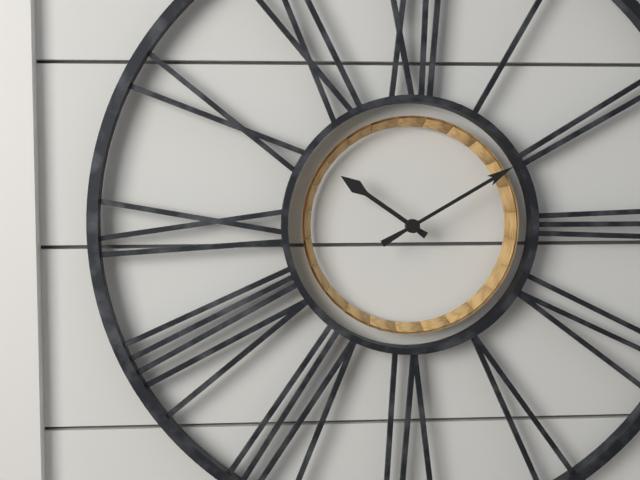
10:10
